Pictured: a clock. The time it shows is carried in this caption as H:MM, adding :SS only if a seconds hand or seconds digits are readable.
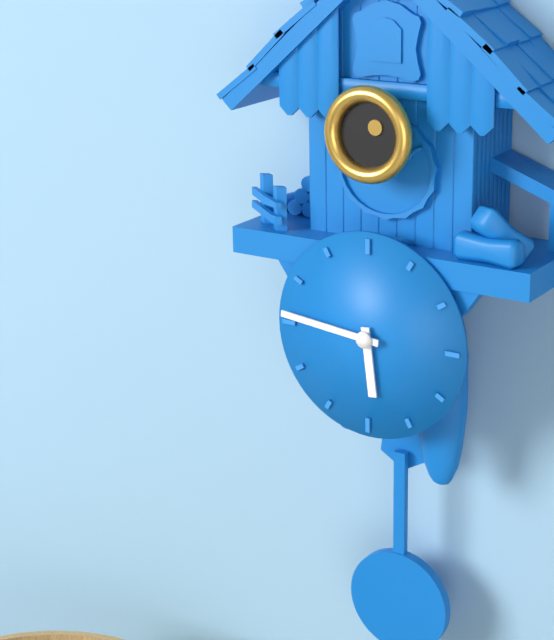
5:46
